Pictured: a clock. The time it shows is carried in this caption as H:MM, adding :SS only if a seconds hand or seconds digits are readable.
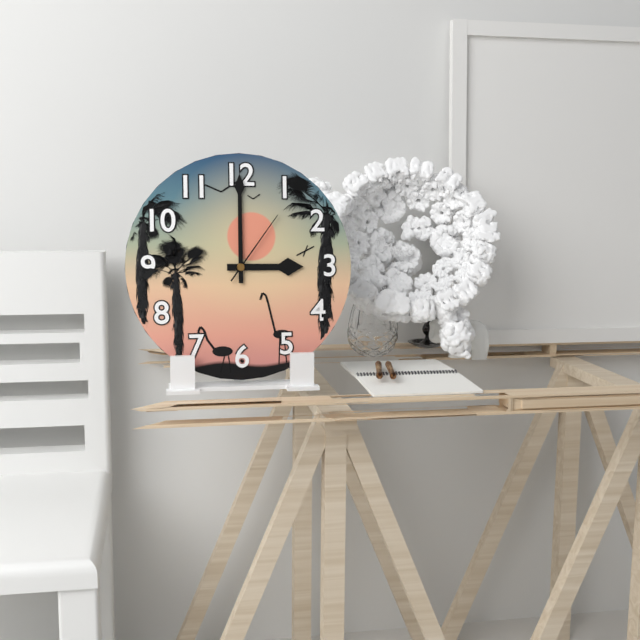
3:00:06
